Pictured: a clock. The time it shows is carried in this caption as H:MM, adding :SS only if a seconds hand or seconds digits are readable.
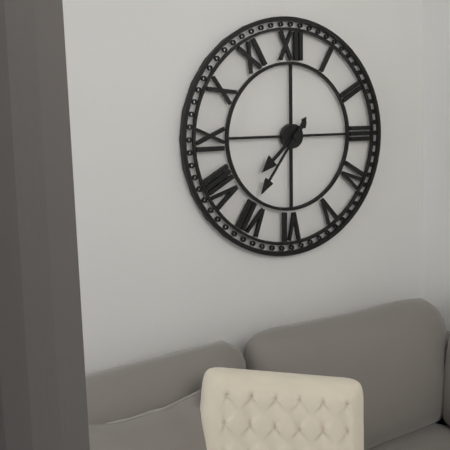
7:36
